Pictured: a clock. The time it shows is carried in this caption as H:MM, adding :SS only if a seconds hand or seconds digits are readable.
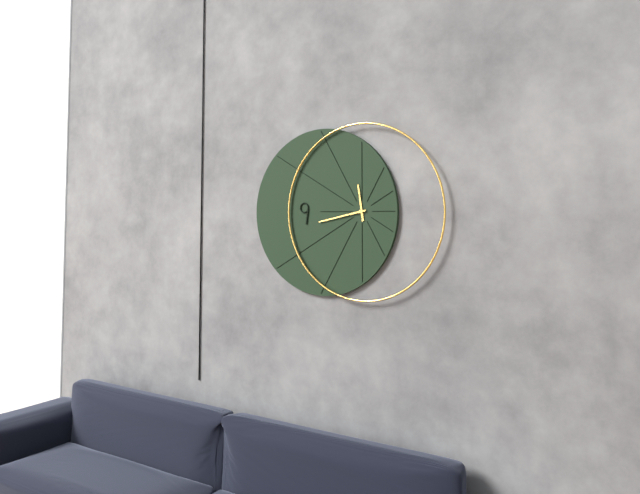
11:43
